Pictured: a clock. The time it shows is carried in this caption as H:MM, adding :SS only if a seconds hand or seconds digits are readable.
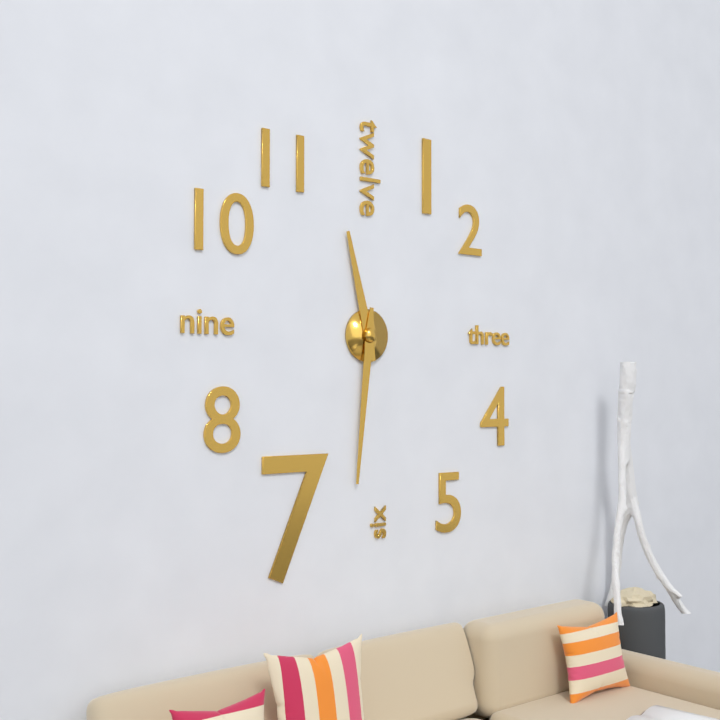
11:31
